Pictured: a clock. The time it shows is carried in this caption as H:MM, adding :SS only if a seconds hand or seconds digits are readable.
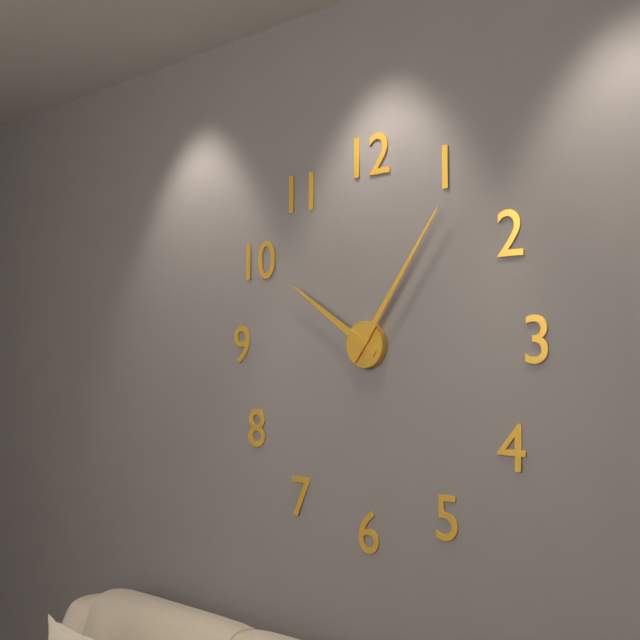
10:06
